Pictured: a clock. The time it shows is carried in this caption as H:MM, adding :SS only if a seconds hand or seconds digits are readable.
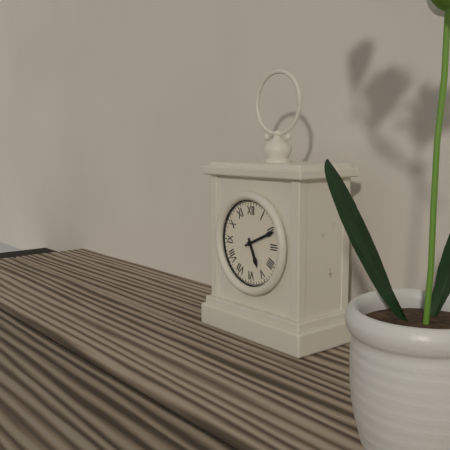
5:11
